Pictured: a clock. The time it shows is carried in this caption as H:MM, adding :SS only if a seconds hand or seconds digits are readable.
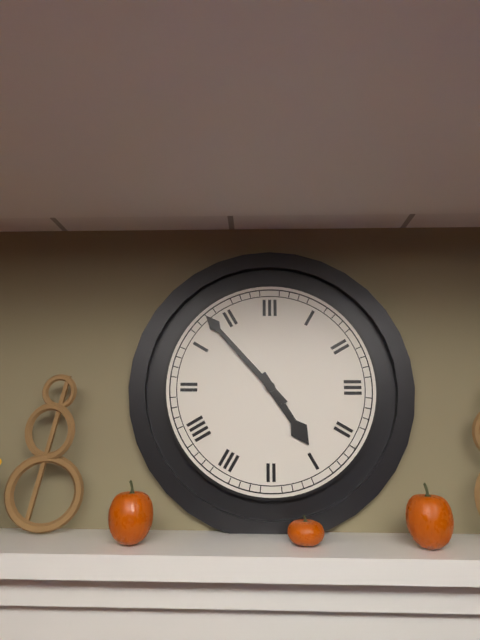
4:53
